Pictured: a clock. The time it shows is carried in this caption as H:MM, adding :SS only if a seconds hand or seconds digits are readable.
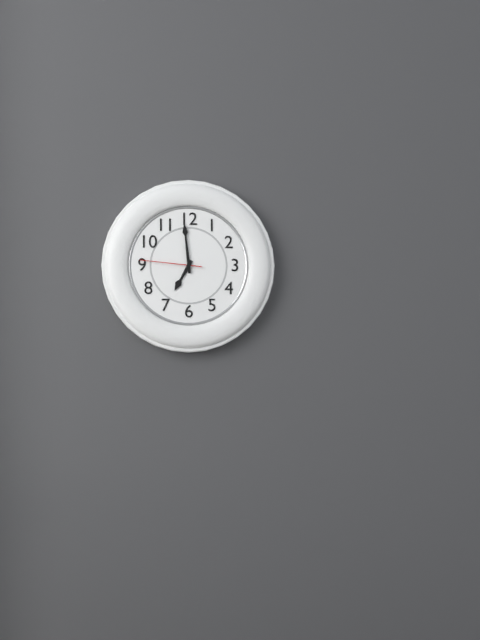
6:59:46
